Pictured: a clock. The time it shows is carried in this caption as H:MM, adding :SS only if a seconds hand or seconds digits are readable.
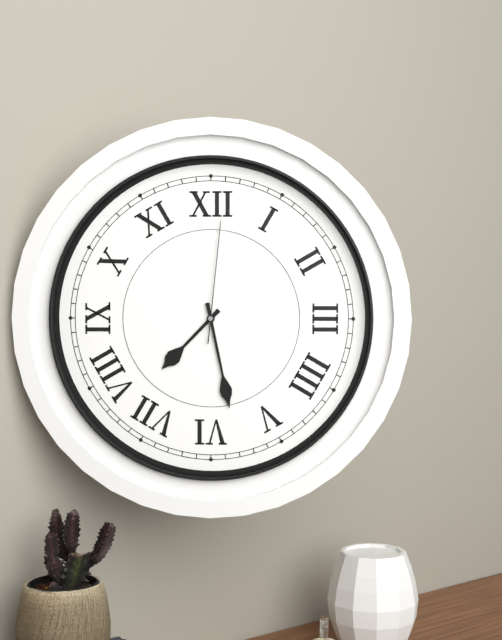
7:28:01
